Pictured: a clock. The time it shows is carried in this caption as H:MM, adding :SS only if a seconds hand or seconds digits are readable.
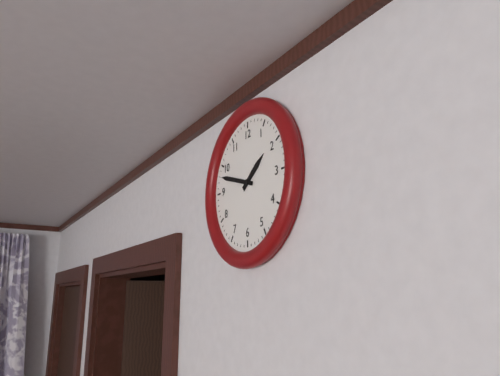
1:48
